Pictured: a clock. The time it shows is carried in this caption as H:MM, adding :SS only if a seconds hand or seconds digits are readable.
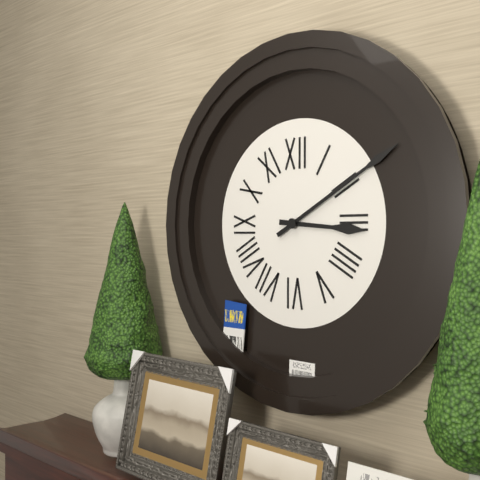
3:10
